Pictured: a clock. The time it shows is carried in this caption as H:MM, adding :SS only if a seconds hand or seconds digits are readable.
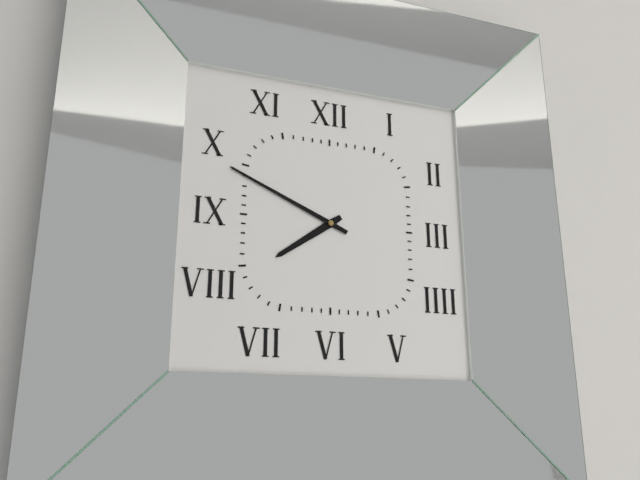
7:49
